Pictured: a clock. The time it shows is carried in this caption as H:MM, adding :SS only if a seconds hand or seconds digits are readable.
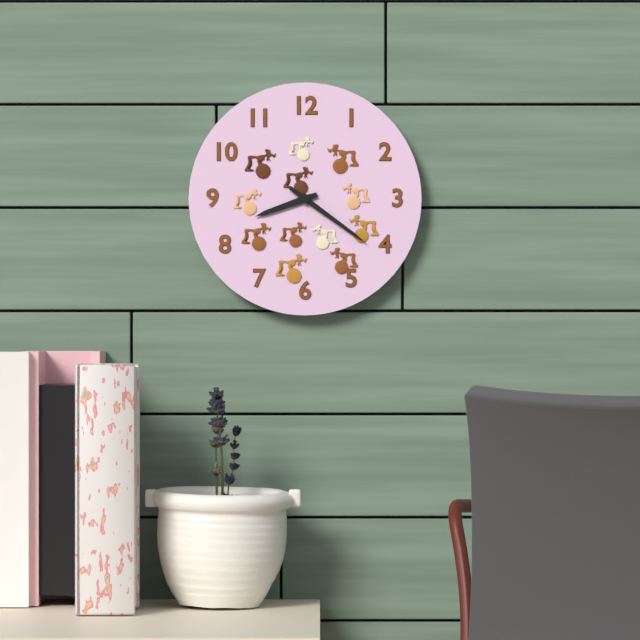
8:21
